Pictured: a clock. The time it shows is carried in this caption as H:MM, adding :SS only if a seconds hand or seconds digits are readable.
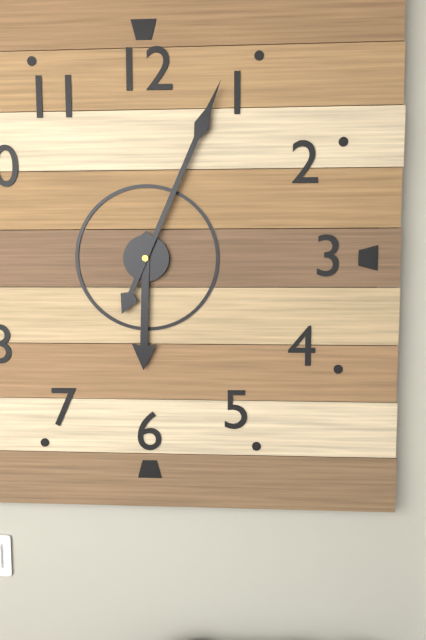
6:04
